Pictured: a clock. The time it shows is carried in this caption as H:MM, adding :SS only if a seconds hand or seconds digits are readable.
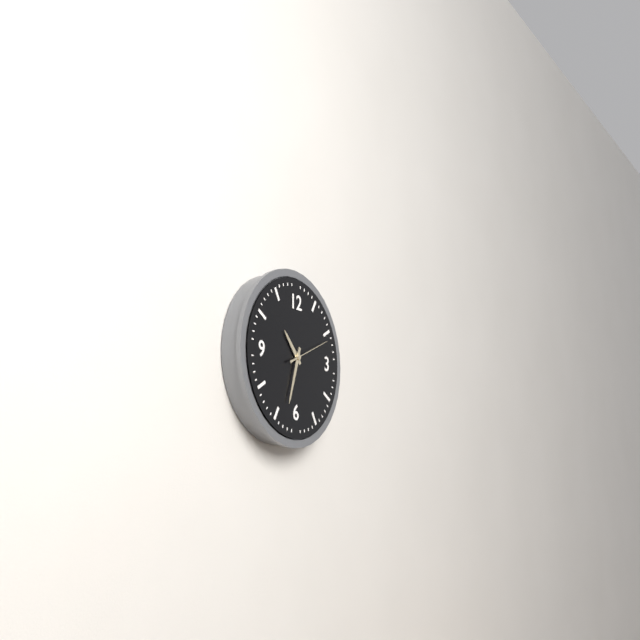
10:33
